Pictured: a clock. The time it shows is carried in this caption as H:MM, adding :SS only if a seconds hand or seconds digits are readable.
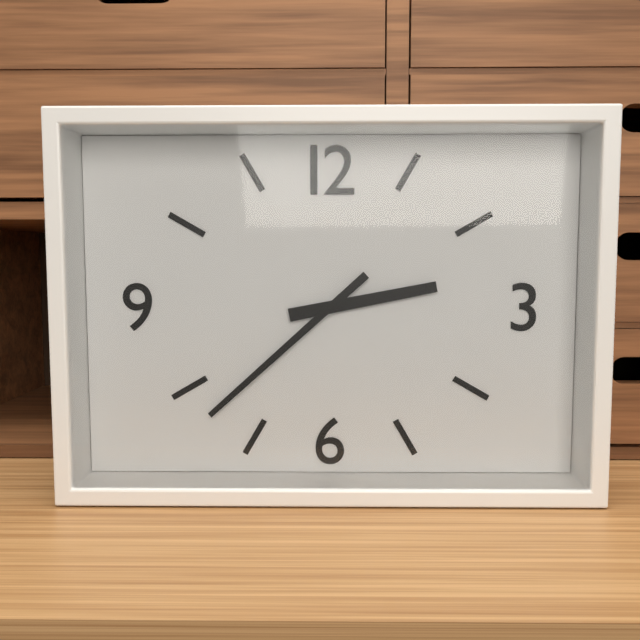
2:38
